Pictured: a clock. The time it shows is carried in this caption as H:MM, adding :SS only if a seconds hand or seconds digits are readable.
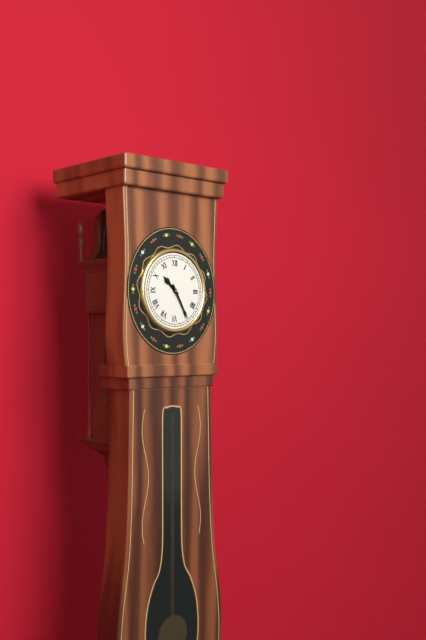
10:25
